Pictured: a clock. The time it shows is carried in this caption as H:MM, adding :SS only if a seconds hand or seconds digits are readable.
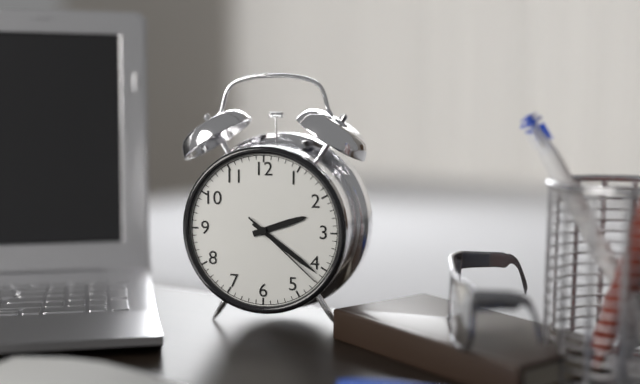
2:21:22
